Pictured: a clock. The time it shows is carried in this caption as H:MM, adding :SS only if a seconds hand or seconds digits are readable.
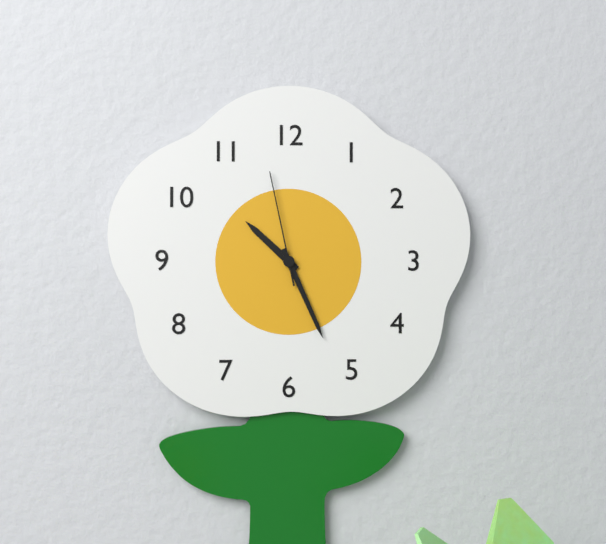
10:26:58
